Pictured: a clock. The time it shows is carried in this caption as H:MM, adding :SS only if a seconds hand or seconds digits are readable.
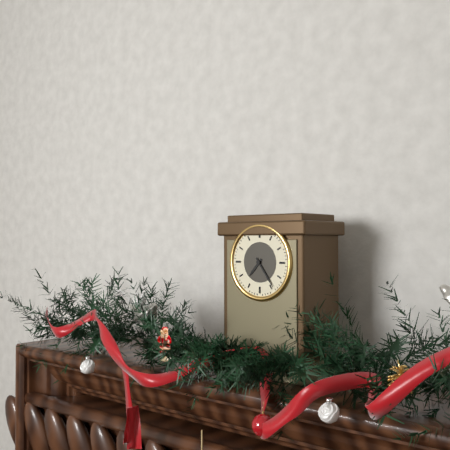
7:24
